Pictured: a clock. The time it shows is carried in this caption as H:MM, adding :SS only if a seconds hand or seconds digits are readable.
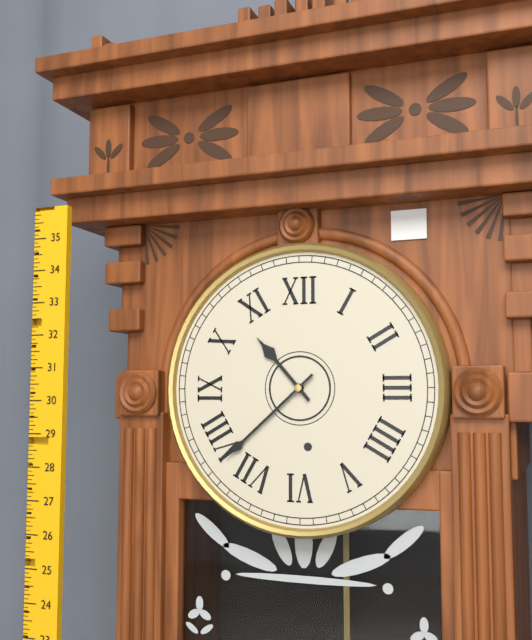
10:38
